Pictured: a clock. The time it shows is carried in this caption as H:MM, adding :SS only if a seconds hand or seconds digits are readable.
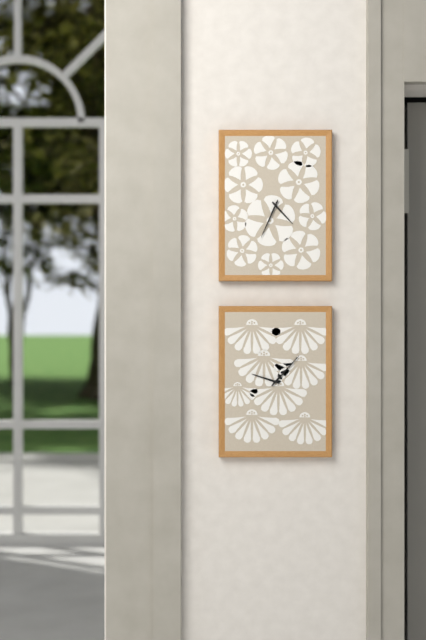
4:34
